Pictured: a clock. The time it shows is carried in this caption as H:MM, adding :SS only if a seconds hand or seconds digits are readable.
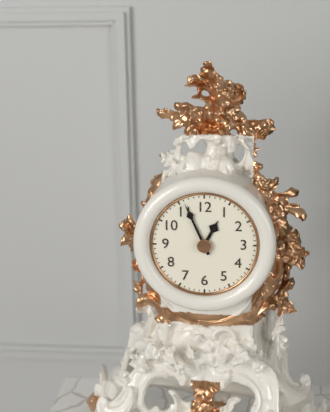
12:56
